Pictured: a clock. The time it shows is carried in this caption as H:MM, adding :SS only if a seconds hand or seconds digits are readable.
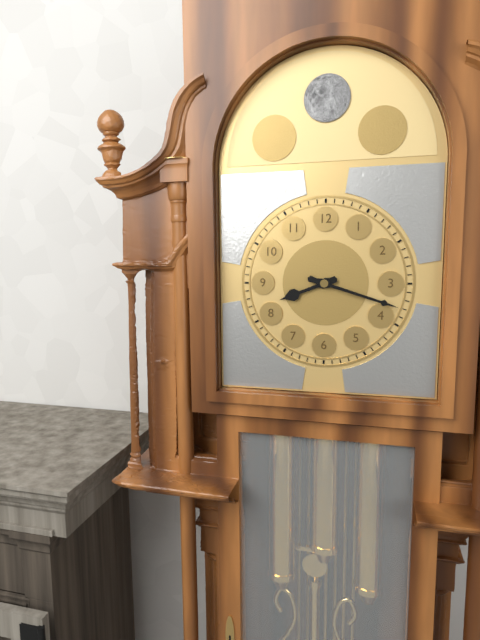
8:18
